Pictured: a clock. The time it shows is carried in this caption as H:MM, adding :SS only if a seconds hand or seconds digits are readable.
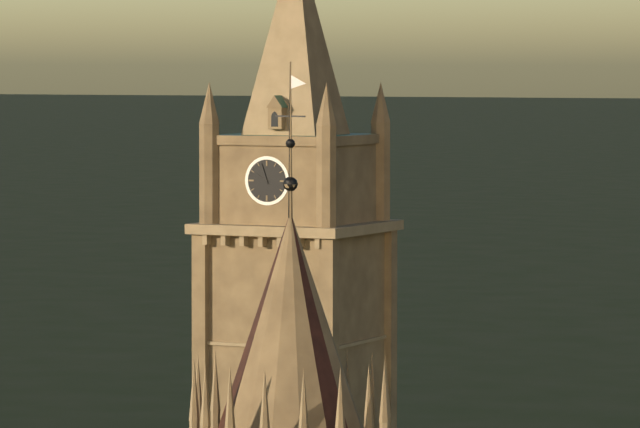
9:57
